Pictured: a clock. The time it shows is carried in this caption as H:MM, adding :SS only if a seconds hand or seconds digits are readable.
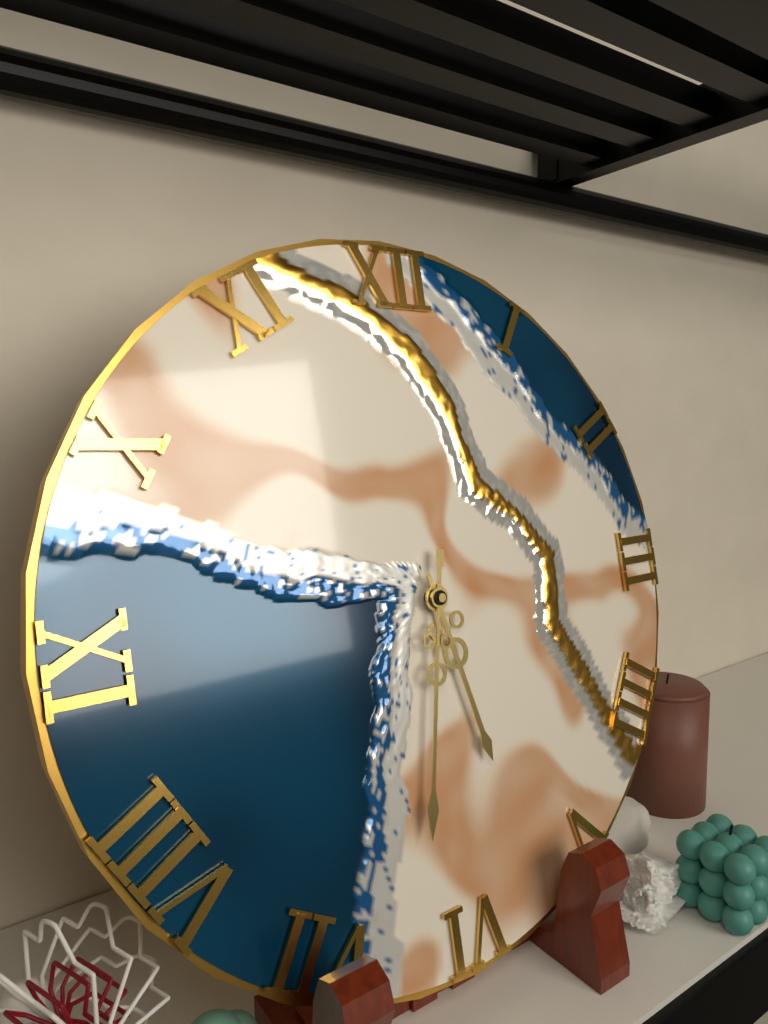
5:32
